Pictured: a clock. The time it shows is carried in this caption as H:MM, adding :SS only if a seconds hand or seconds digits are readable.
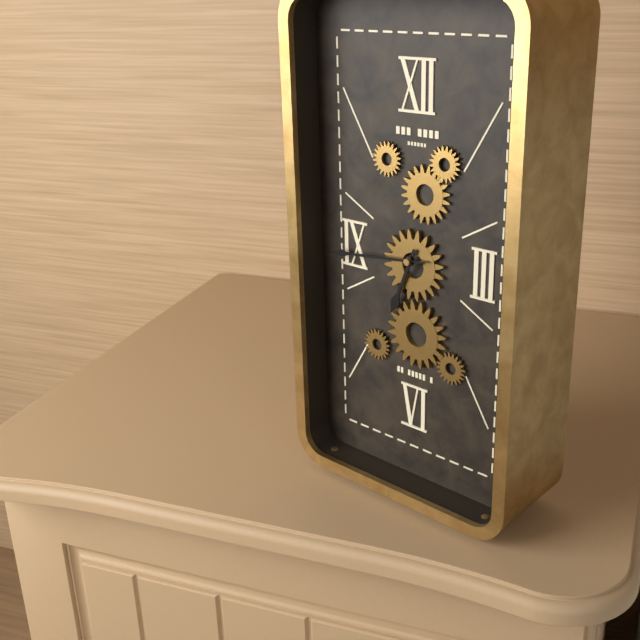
6:44
